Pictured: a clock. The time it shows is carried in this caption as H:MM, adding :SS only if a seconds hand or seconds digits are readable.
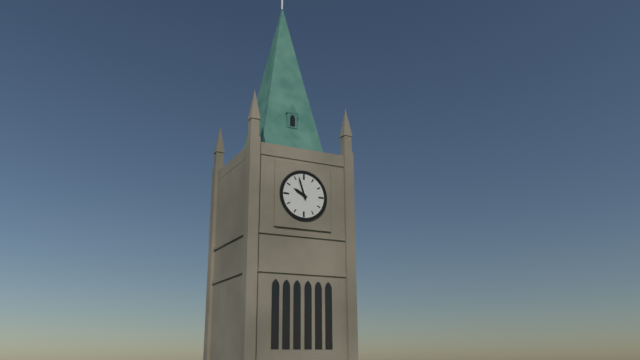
9:57
